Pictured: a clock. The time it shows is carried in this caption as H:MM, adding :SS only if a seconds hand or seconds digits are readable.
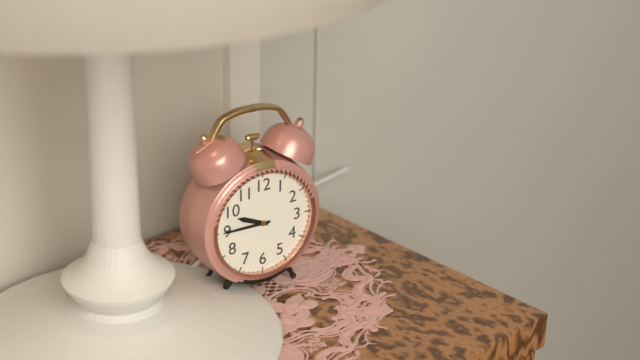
9:45
